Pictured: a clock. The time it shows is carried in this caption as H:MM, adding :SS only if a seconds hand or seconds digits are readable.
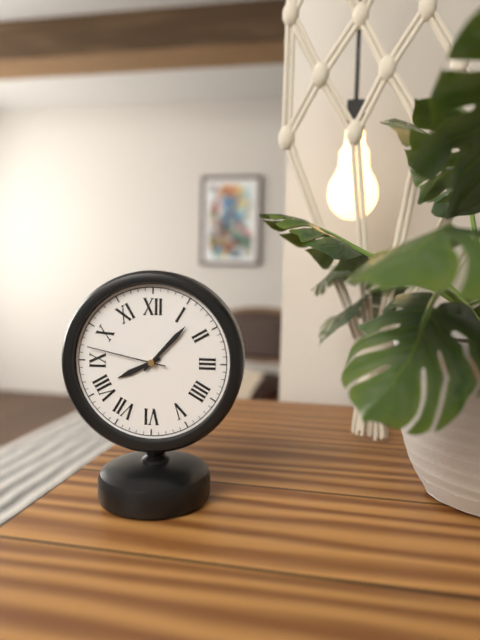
8:07:47
